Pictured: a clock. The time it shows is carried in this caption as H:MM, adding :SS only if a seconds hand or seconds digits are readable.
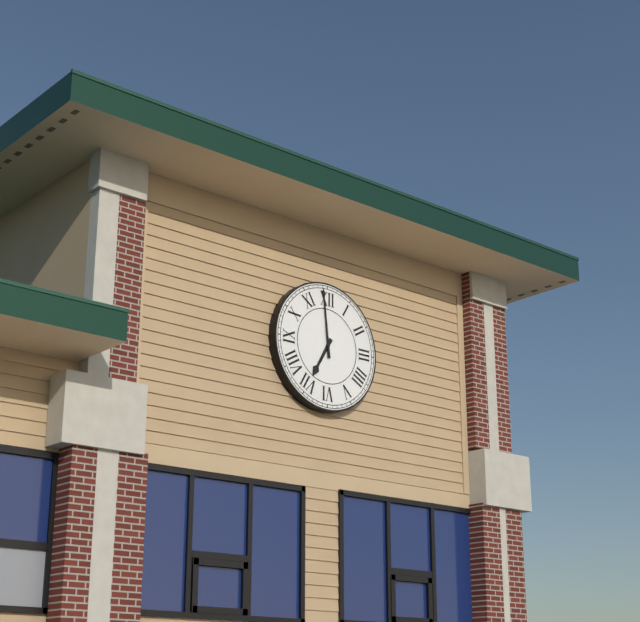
6:59
